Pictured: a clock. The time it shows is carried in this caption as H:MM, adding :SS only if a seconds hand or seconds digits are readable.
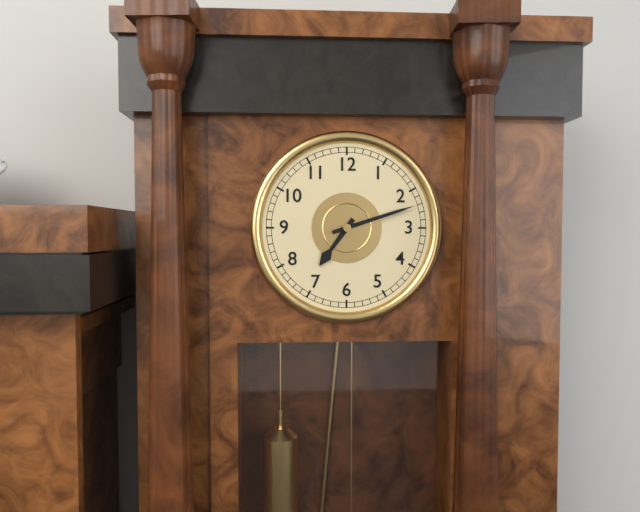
7:12
